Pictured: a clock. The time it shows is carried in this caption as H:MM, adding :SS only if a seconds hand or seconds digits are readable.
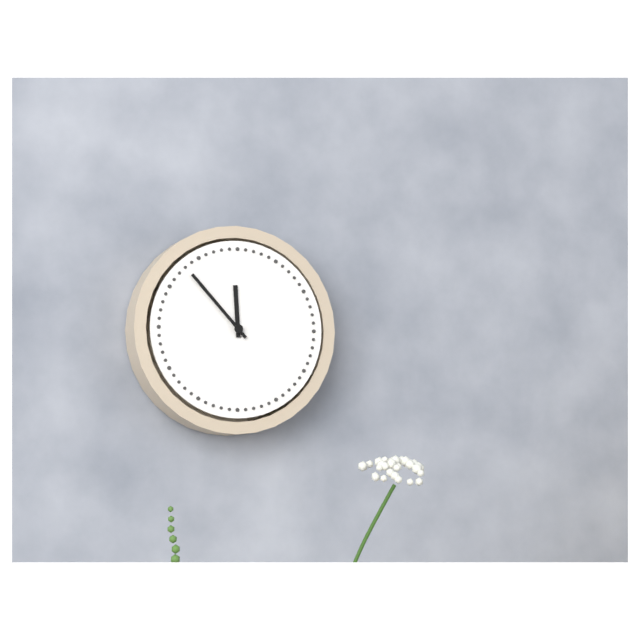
11:53
